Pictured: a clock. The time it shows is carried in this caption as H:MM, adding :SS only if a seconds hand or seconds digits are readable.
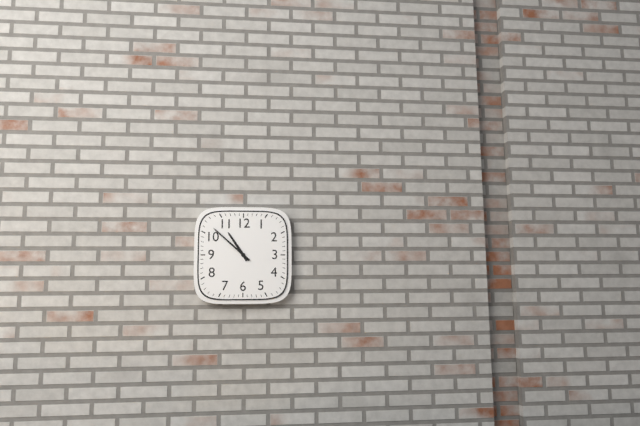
10:52
